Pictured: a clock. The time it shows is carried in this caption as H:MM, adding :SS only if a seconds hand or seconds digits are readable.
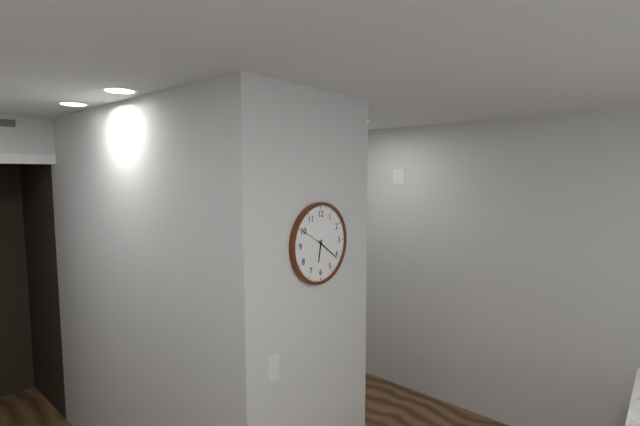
6:21
